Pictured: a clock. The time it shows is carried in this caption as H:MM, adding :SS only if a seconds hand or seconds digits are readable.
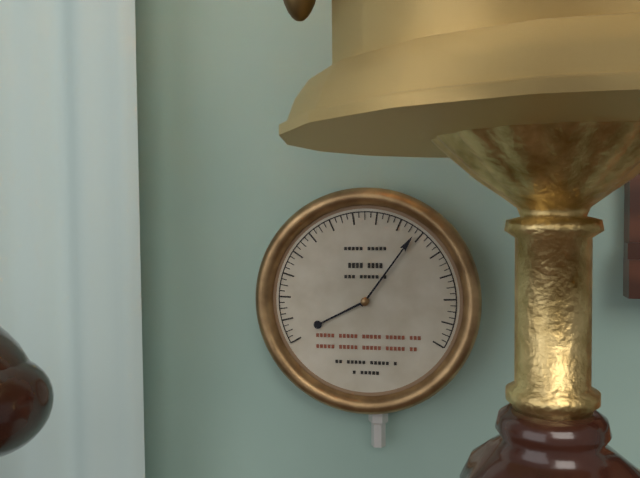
8:06
